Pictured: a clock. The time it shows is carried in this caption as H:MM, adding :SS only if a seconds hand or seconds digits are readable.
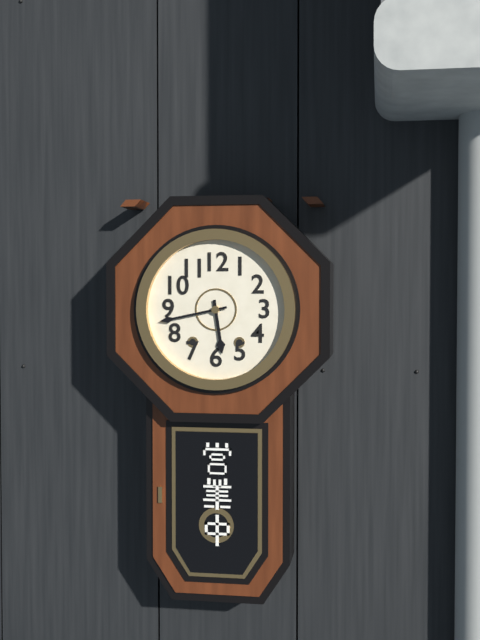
5:43
